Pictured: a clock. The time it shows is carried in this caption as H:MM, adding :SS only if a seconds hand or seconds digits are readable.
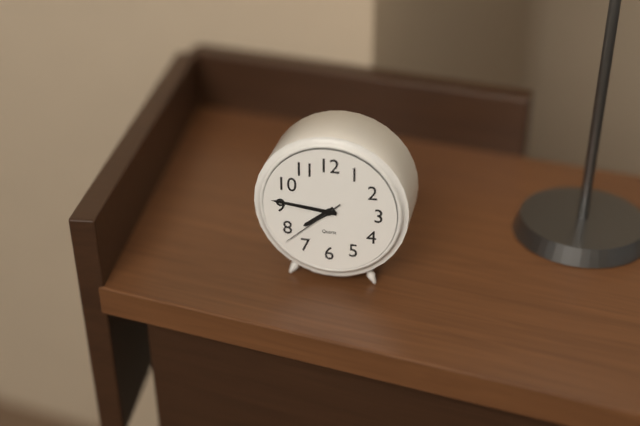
7:46:38
